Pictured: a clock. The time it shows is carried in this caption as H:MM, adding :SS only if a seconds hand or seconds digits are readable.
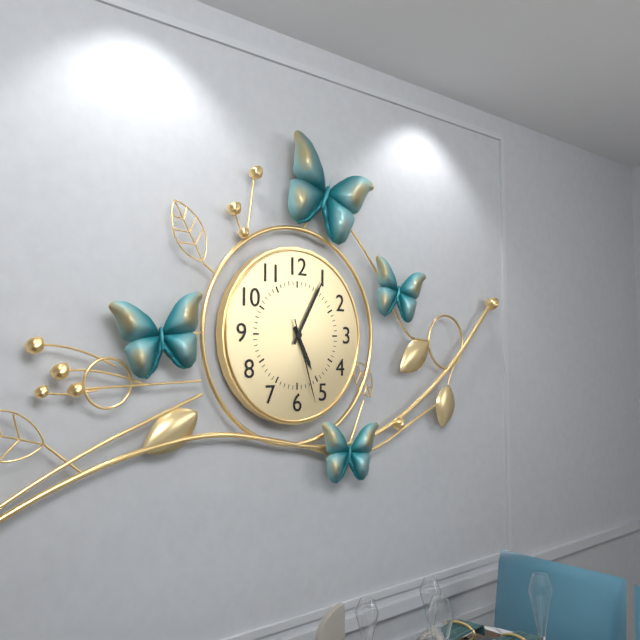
5:05:27
